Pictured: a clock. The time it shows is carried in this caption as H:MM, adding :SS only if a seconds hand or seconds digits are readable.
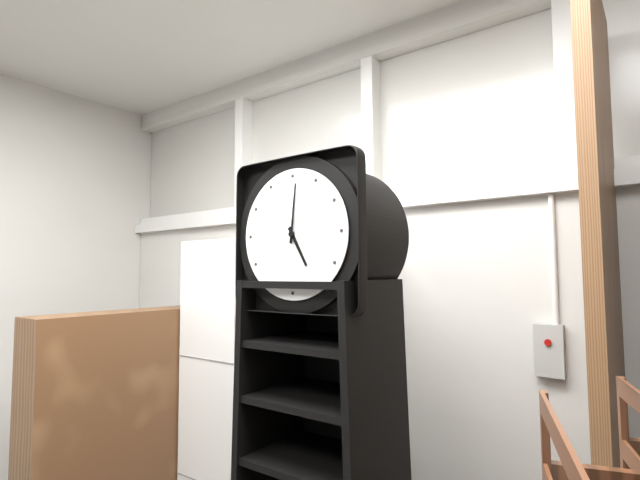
5:01
